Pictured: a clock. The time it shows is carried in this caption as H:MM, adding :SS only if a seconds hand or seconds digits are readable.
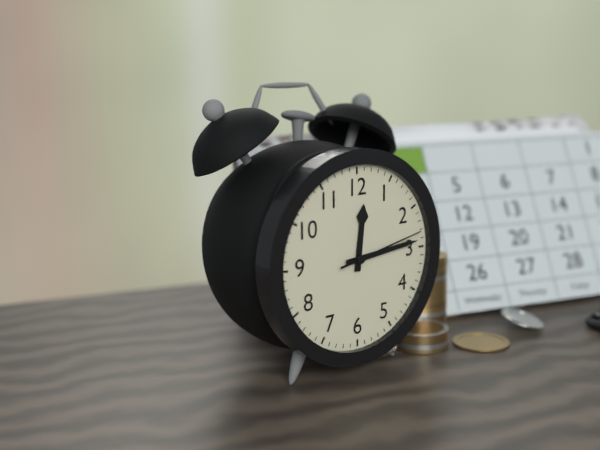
12:14:13
